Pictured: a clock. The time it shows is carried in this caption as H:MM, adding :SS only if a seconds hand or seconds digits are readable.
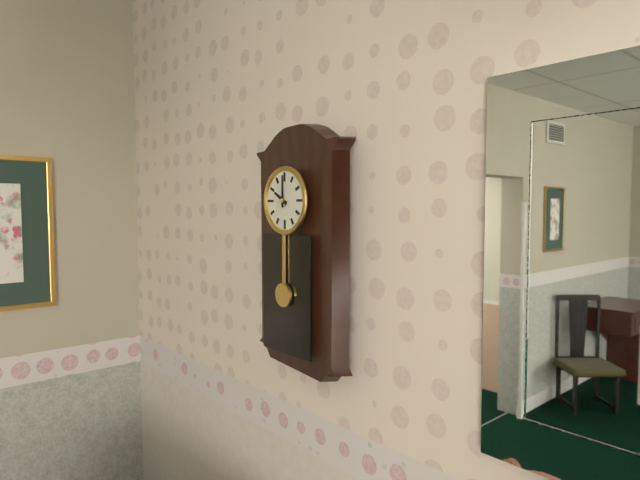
10:00
